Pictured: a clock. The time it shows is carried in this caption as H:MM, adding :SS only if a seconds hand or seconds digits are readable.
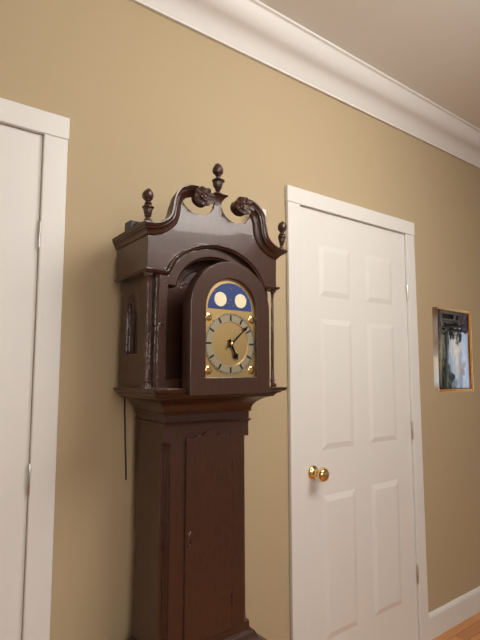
5:08
